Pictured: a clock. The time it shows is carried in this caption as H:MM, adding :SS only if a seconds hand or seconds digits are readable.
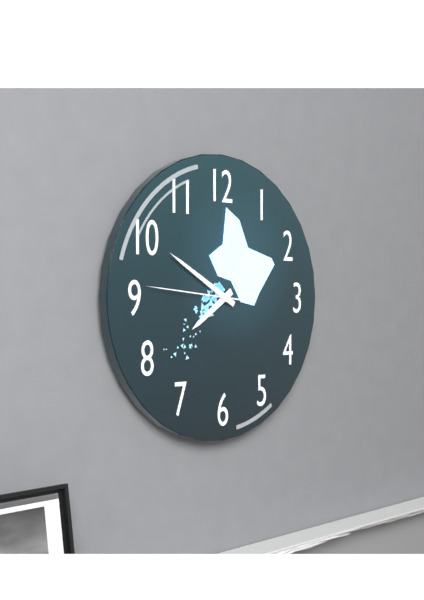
7:50:46
